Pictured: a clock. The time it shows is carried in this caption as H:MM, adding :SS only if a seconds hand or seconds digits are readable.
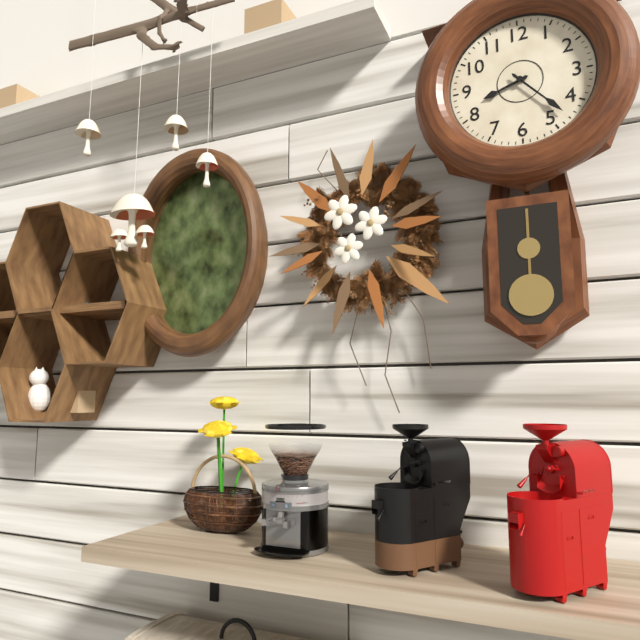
8:23
